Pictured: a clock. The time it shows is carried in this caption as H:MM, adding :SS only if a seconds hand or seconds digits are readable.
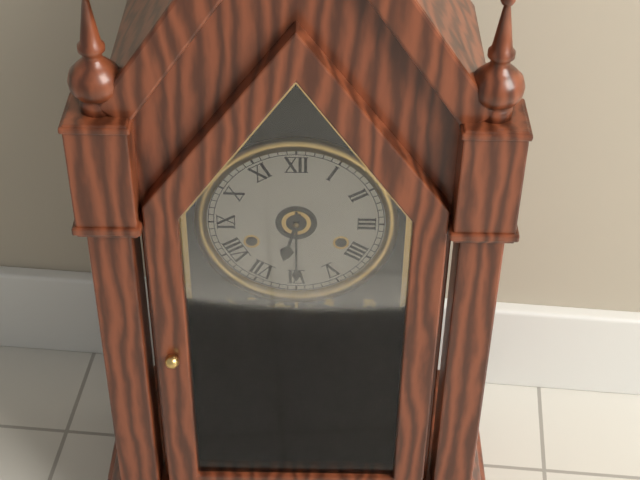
6:30
